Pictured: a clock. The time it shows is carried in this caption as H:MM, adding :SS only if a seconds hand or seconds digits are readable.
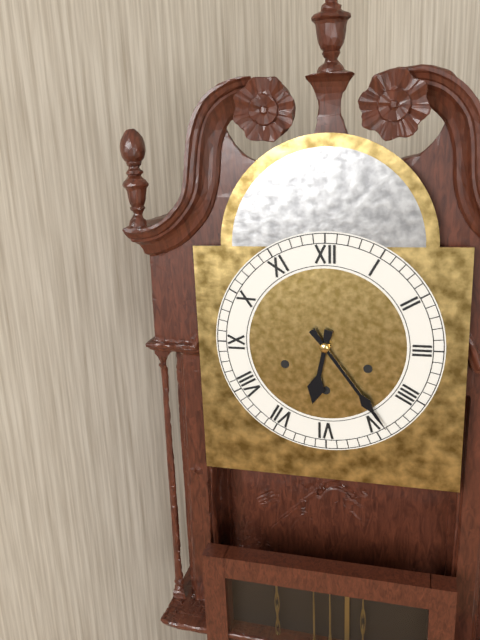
6:24
